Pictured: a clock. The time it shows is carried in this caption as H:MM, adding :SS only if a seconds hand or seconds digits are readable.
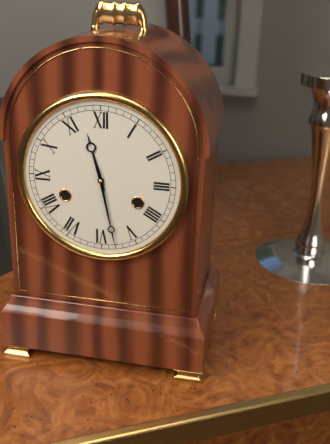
11:28
